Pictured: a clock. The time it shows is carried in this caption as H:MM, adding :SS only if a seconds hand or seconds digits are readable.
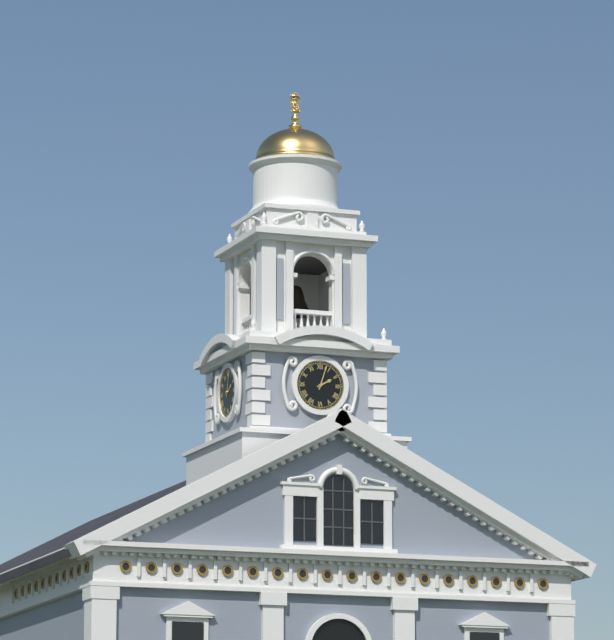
2:03
